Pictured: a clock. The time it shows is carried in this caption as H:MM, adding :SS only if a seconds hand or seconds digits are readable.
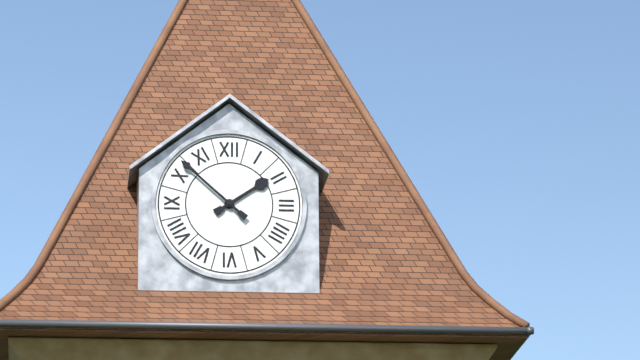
1:52
